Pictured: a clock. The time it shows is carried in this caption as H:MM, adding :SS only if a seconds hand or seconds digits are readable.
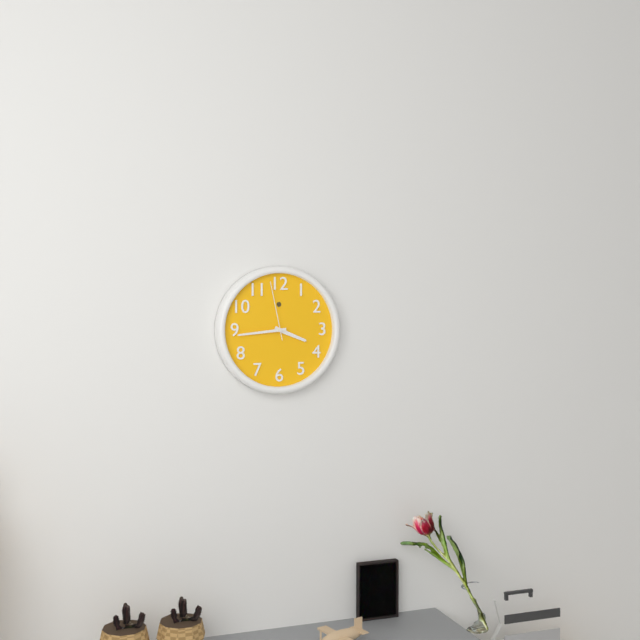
3:44:58
